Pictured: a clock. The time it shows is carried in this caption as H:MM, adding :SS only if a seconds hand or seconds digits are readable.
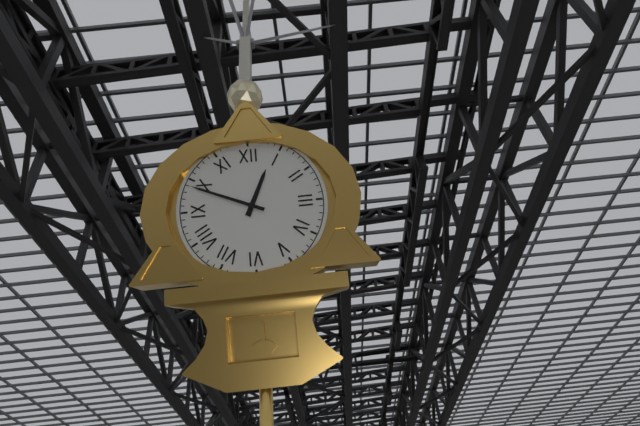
12:49
